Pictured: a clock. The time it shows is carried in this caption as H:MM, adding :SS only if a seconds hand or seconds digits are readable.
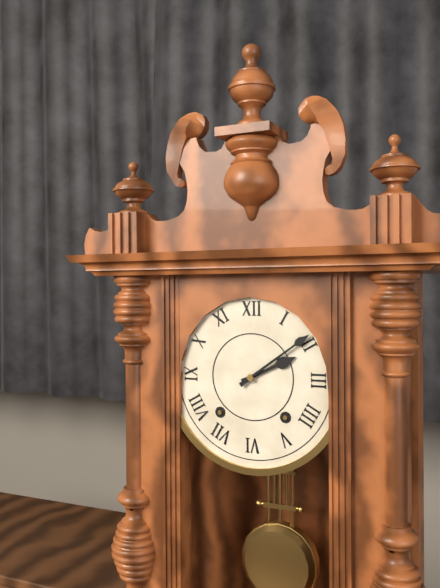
2:09
